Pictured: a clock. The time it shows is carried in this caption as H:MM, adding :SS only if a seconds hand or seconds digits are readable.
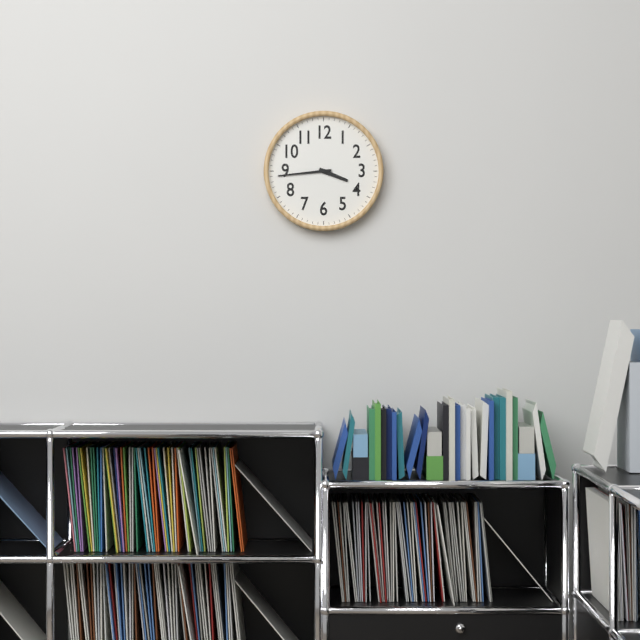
3:44
